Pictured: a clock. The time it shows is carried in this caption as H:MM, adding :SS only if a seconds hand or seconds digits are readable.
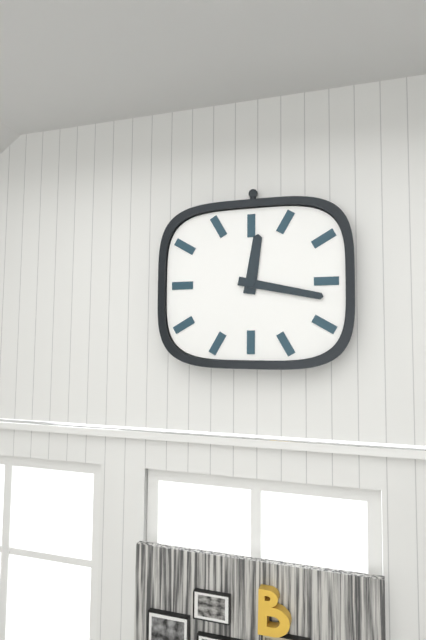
12:17
